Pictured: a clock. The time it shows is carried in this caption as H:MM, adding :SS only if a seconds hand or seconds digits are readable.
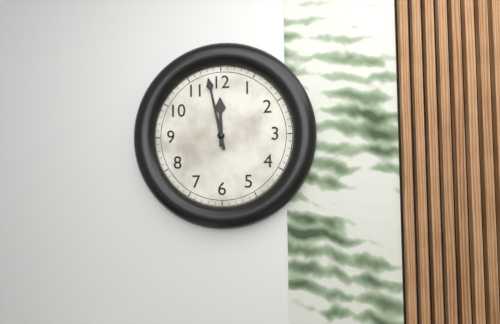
11:58
